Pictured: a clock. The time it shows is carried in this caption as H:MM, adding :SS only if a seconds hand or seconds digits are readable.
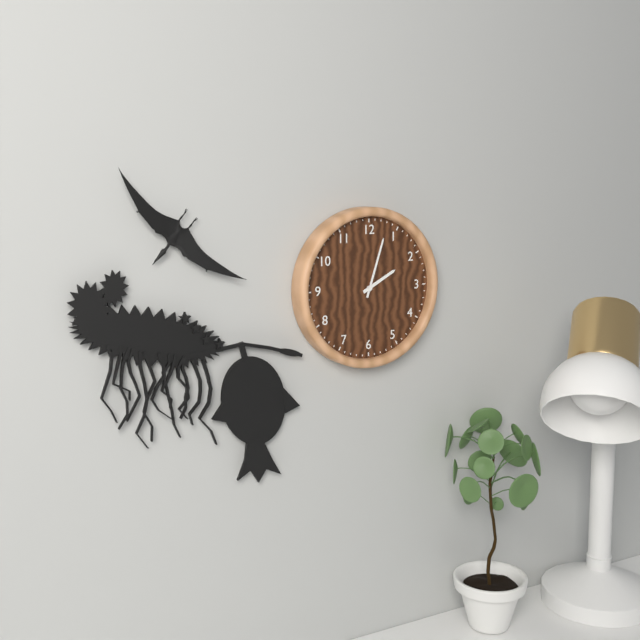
2:03
